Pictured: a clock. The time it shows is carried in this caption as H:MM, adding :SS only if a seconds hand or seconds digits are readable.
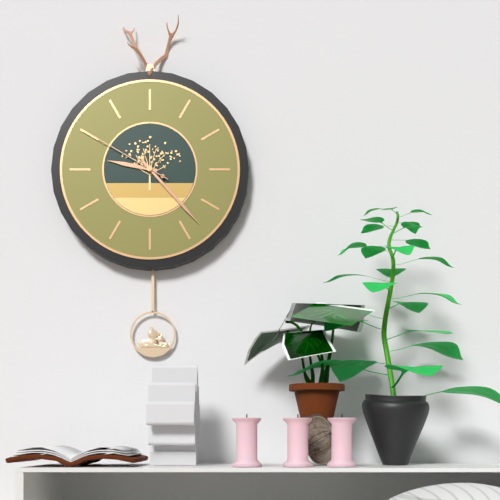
9:23:50
